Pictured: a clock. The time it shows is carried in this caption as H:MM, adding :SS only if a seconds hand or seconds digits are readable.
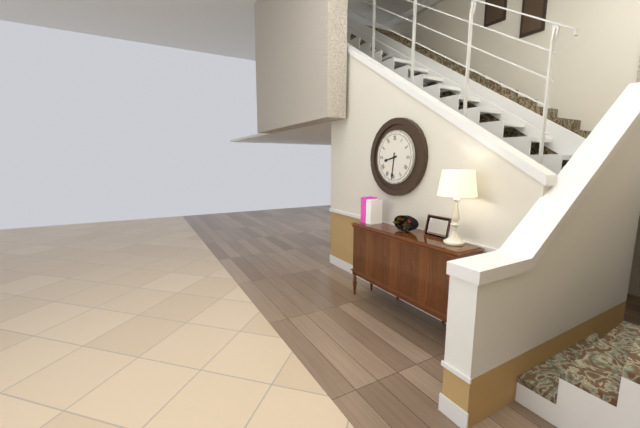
8:31
